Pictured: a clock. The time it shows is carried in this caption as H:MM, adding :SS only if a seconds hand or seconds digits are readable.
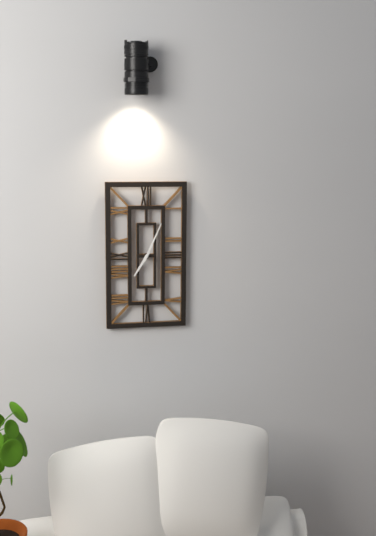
7:04
